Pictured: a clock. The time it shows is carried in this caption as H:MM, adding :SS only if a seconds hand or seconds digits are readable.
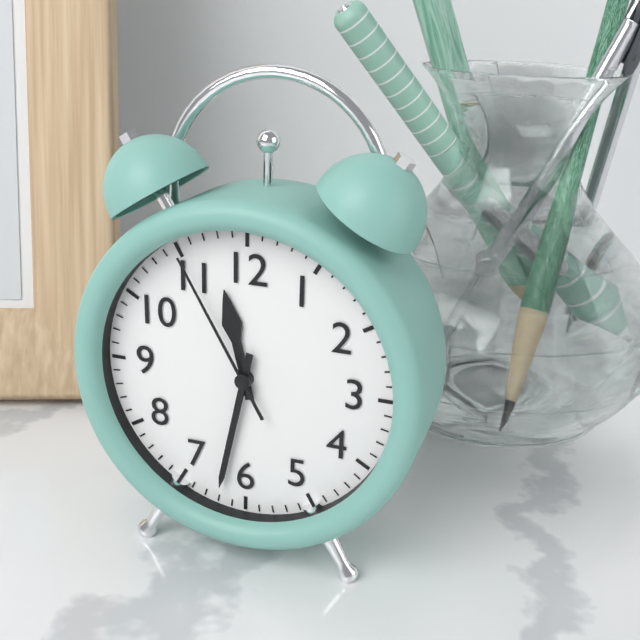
11:32:55
